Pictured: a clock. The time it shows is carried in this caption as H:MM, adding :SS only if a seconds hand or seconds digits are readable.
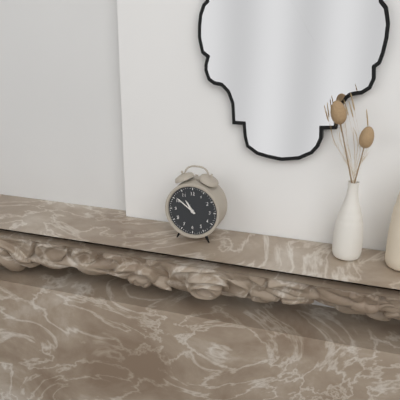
10:51
